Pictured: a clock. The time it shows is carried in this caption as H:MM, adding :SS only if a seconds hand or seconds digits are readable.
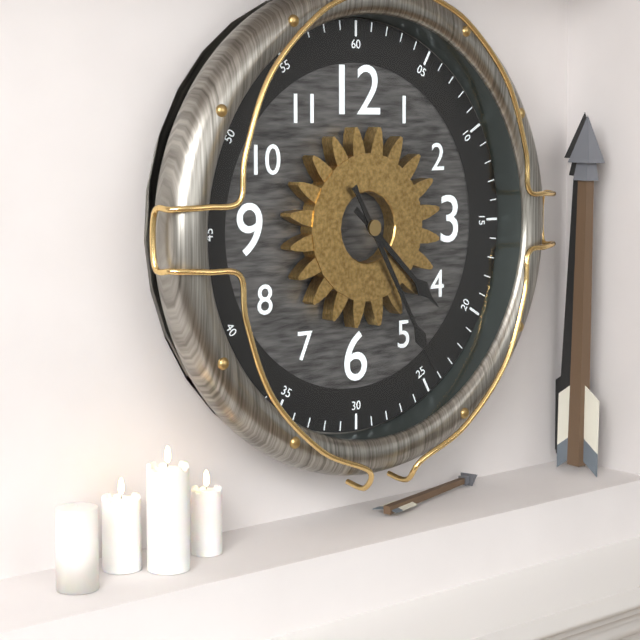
4:25
